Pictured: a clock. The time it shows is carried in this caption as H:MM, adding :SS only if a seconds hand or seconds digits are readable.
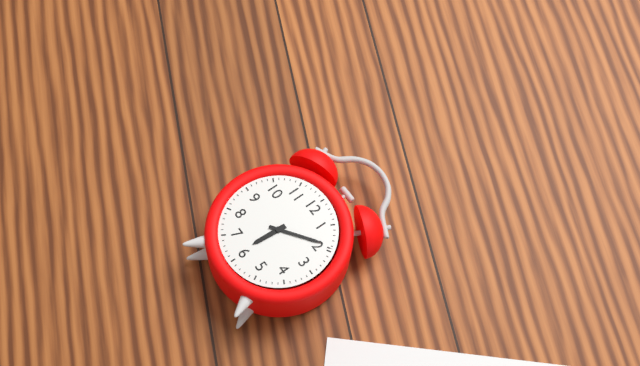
6:09
